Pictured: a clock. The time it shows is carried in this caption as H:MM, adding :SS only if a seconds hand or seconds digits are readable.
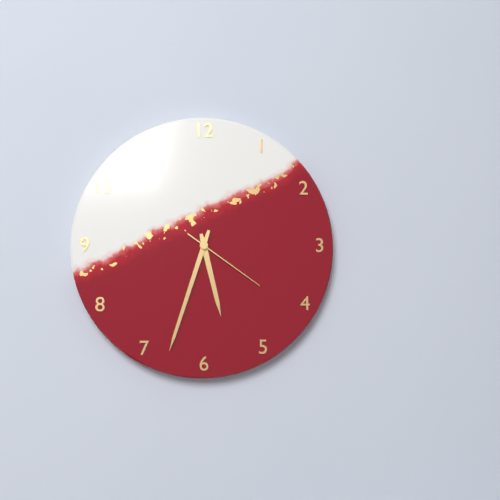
5:33:21
